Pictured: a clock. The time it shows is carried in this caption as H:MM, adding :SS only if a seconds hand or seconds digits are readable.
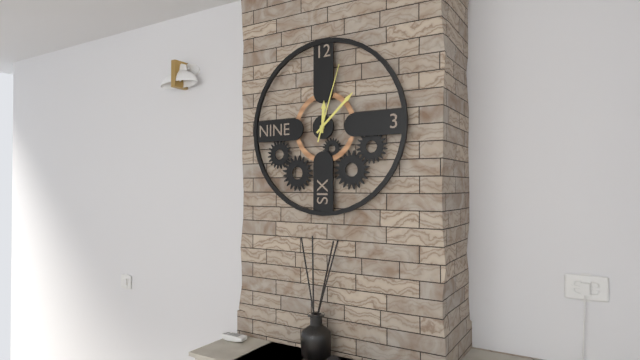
12:08:03
